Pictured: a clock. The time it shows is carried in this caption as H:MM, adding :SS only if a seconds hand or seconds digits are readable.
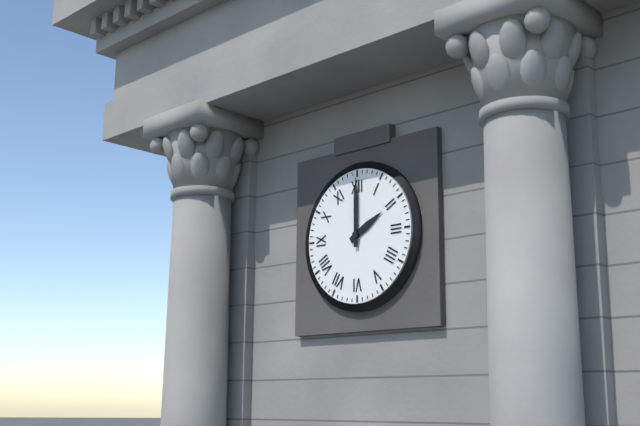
2:00
